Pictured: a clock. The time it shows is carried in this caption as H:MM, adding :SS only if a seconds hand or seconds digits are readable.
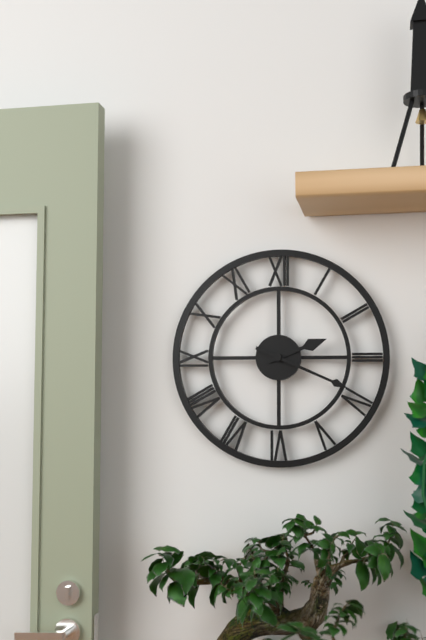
2:19
